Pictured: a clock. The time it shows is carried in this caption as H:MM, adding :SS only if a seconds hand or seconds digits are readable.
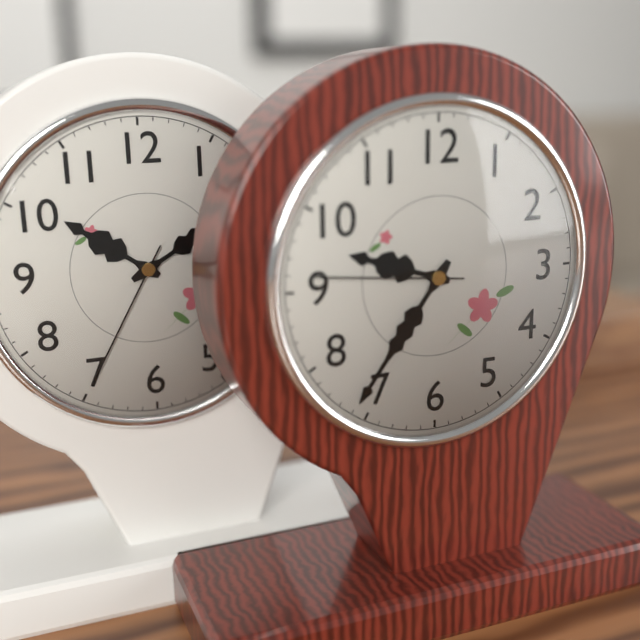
9:36:46
